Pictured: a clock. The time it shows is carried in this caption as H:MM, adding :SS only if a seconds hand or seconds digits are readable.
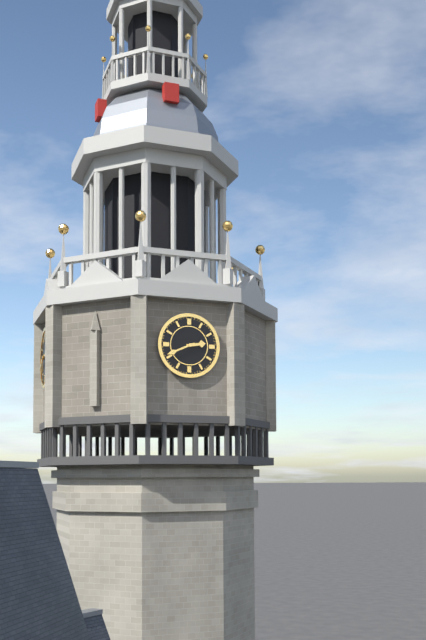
2:41
